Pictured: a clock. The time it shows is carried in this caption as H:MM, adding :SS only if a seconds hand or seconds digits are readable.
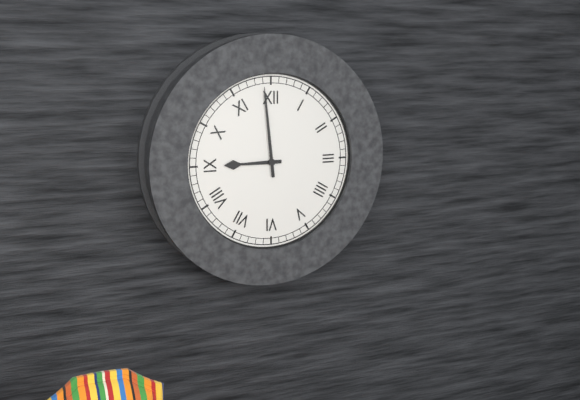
8:59
